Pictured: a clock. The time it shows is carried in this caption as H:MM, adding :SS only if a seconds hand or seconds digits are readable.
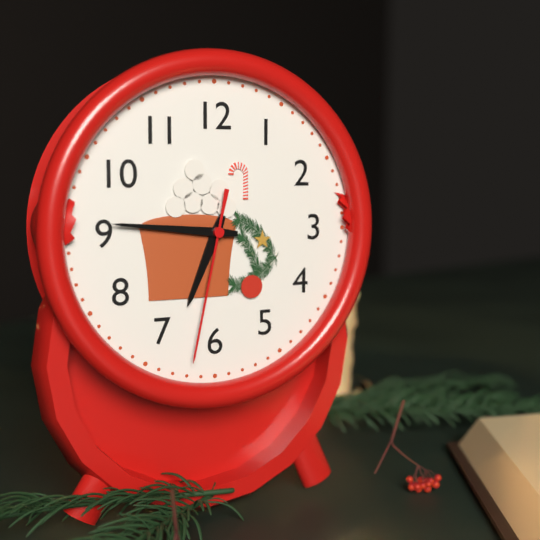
6:46:32
